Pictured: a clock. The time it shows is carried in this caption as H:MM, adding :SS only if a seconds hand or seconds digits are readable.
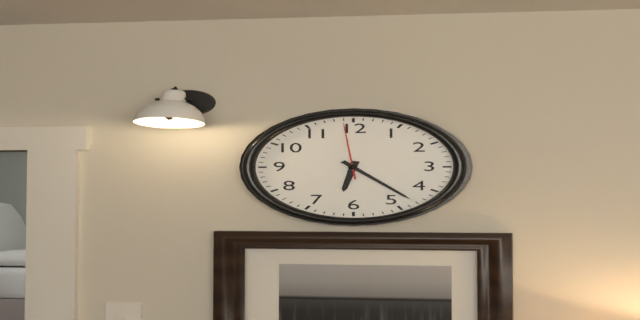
6:23:59
